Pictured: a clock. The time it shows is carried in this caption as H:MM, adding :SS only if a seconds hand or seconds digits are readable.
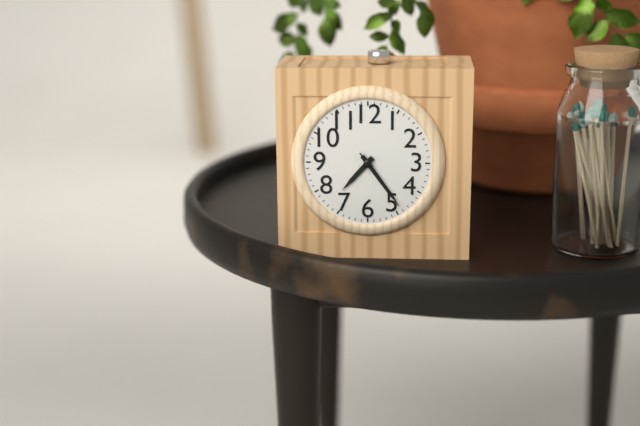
7:24:24
